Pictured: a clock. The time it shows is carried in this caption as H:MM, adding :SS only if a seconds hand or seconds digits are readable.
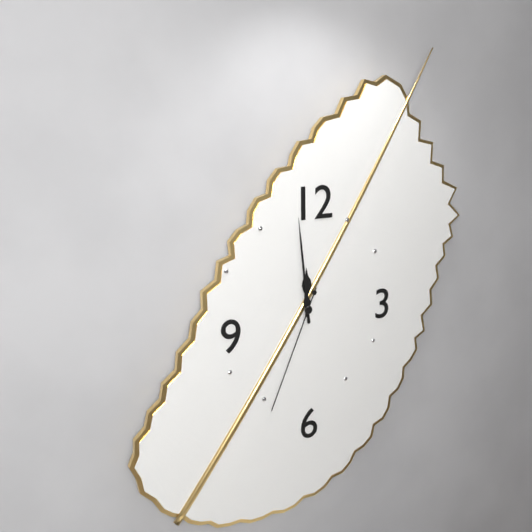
11:59:34
